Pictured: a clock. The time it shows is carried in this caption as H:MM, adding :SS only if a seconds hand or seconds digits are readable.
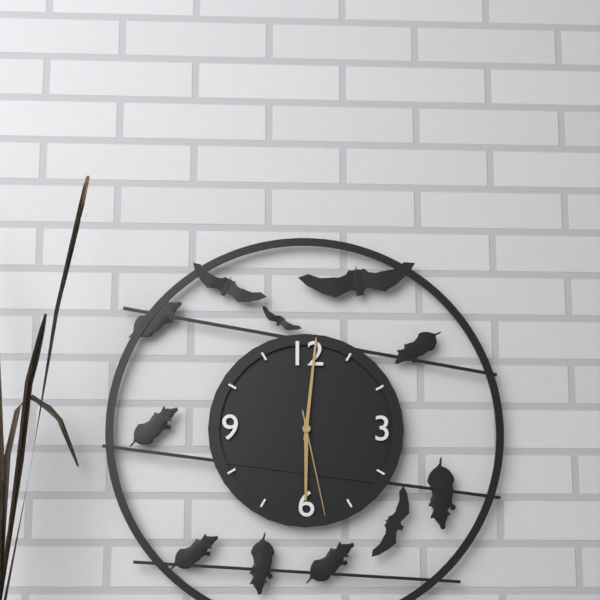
6:01:28
